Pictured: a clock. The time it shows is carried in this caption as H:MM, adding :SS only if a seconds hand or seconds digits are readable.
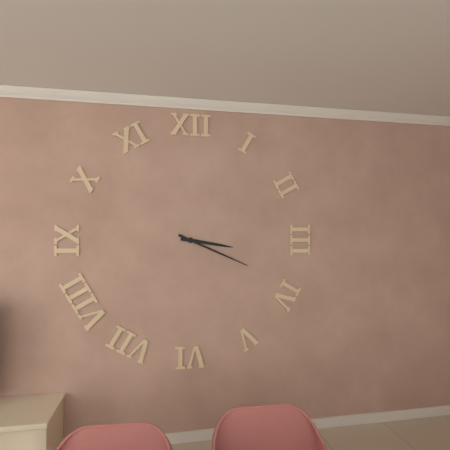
3:19
